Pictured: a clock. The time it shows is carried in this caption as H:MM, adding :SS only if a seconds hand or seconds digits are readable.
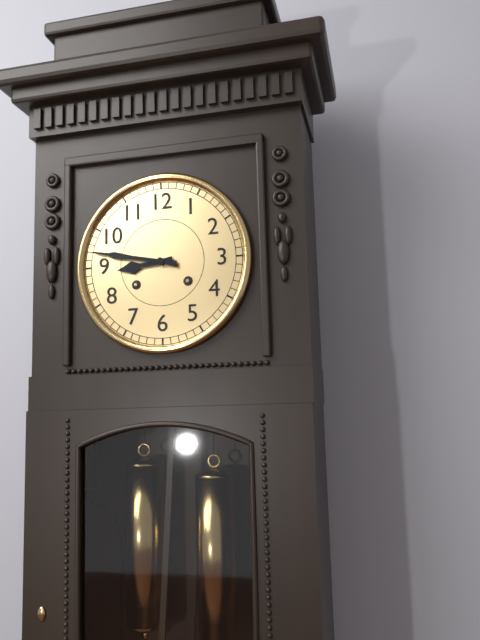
8:47
